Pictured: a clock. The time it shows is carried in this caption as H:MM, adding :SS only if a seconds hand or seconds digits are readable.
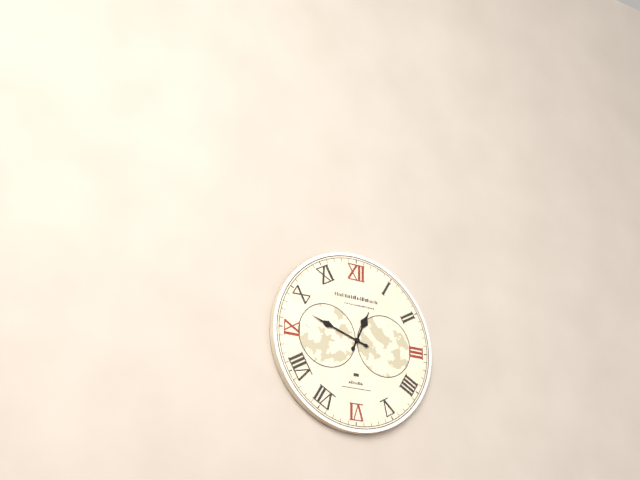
12:48
